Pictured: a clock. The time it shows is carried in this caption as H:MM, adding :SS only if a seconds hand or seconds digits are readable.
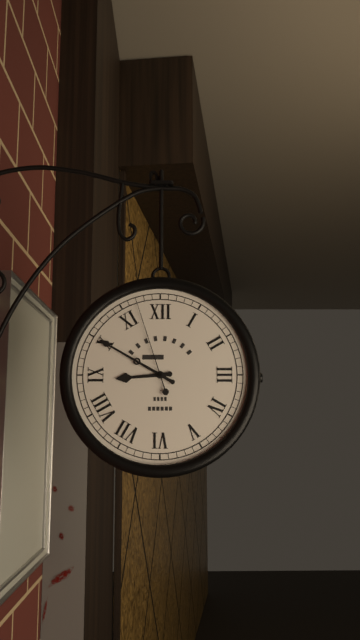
8:50:57
